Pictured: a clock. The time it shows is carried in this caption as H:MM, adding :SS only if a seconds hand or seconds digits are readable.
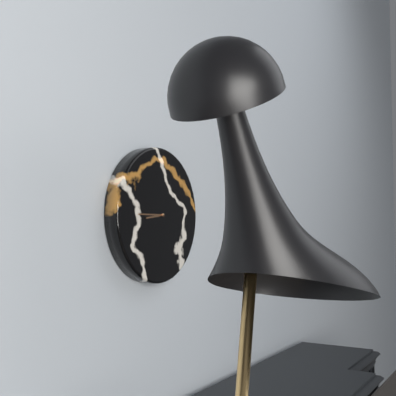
8:45
